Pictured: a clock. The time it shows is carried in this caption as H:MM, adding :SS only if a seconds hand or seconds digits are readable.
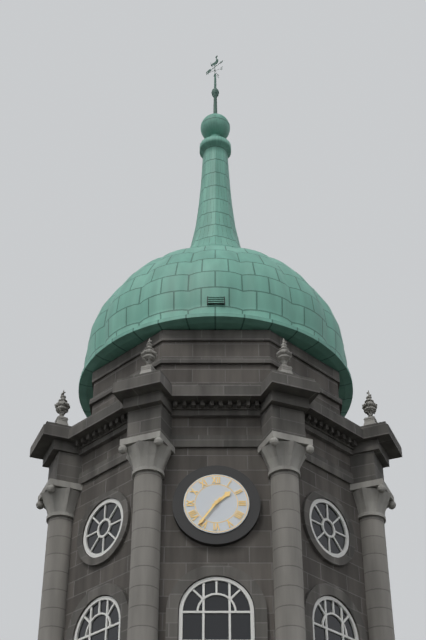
1:36
